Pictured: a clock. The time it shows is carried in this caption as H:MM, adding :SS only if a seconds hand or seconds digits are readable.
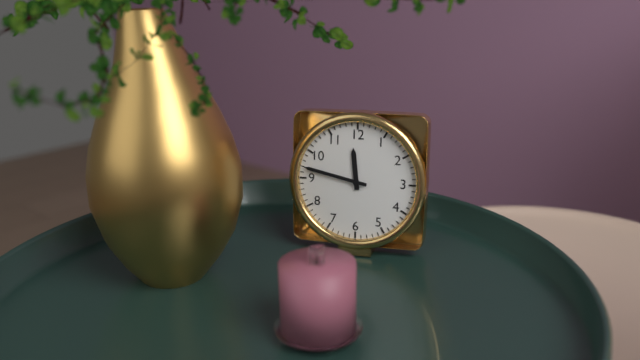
11:47
